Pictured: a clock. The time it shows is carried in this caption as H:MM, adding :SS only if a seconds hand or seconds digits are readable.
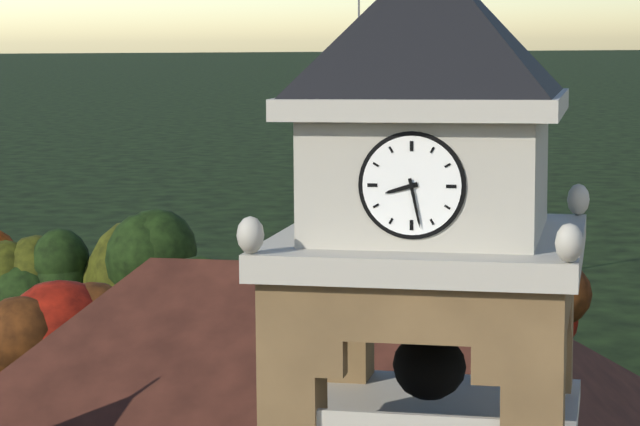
8:28
